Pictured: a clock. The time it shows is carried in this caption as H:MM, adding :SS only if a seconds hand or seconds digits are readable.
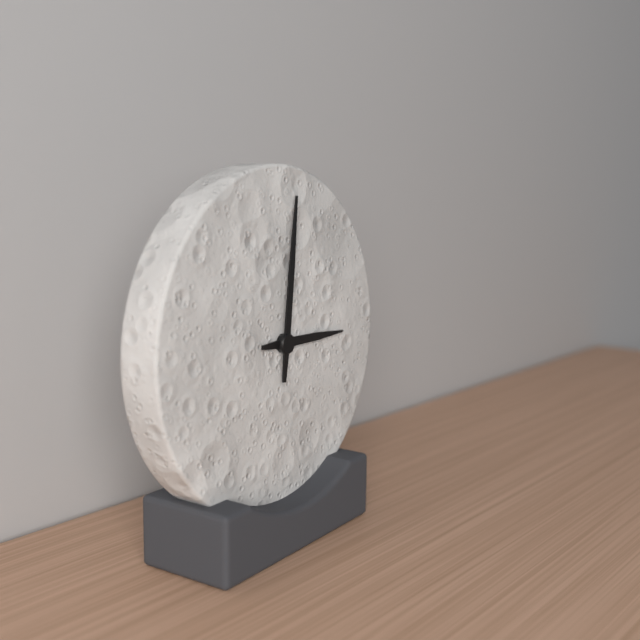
3:01
